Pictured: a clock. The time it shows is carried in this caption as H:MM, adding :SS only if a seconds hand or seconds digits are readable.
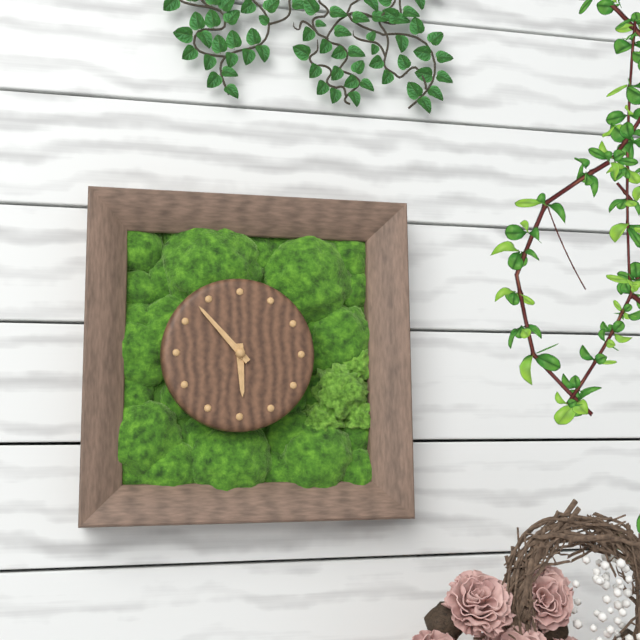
5:53
